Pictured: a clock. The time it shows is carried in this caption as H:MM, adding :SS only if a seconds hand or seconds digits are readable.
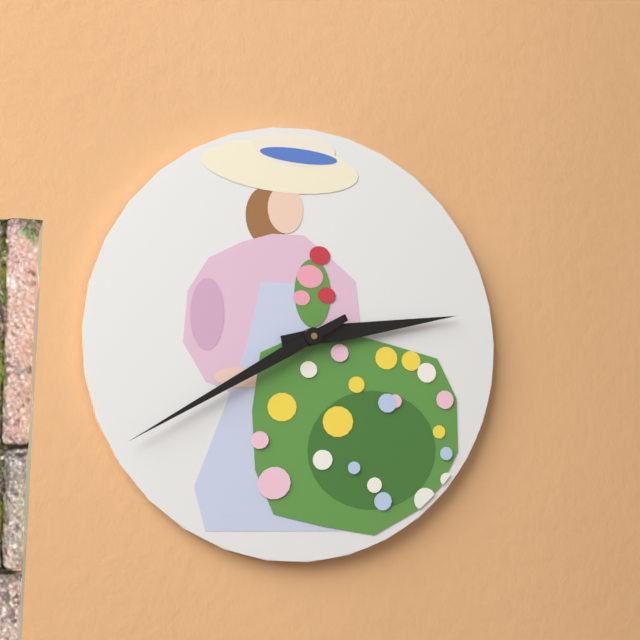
2:40
